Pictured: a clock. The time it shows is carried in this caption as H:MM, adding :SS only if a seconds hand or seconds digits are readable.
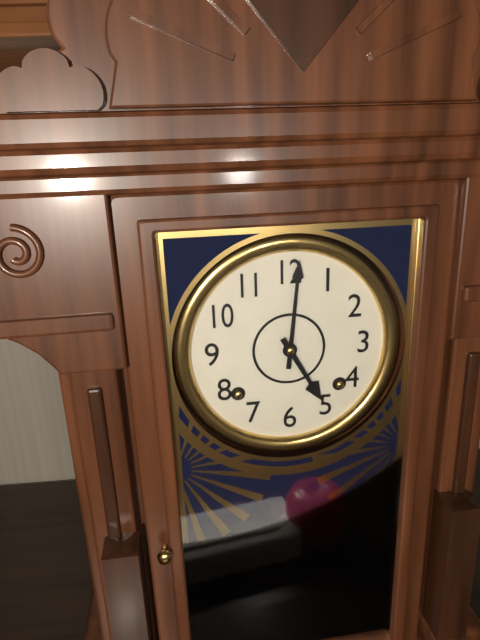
5:01
